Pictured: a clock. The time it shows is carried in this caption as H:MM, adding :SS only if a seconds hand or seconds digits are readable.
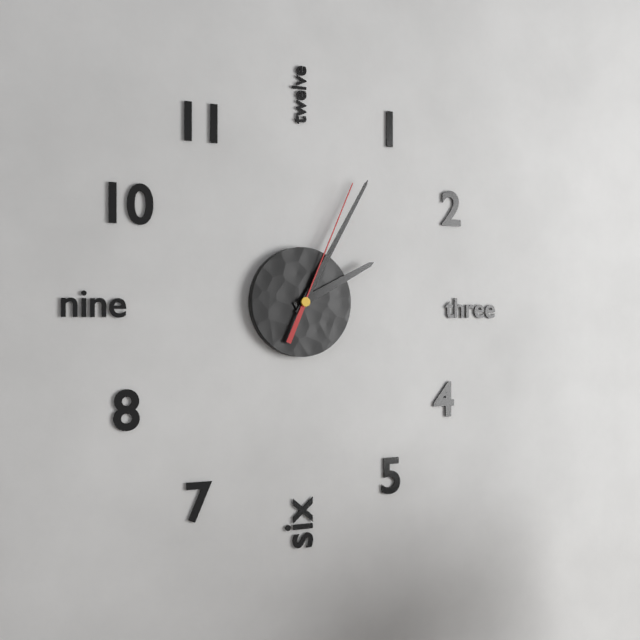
2:05:04
